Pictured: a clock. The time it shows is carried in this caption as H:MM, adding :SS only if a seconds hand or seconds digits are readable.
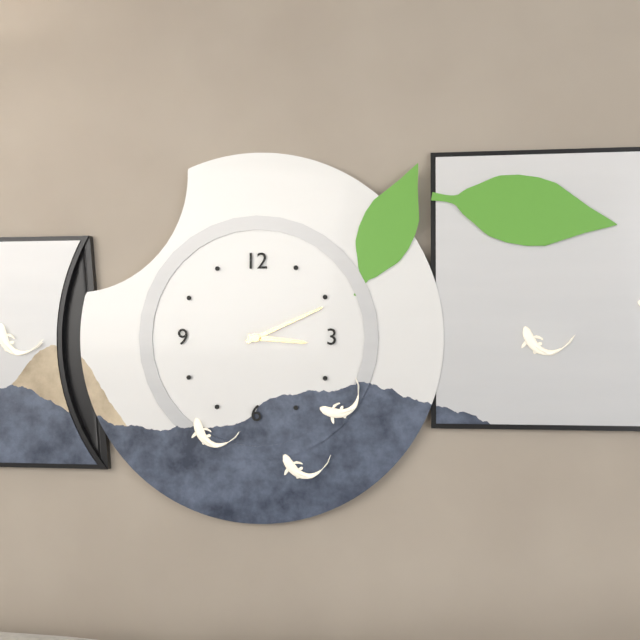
3:11
